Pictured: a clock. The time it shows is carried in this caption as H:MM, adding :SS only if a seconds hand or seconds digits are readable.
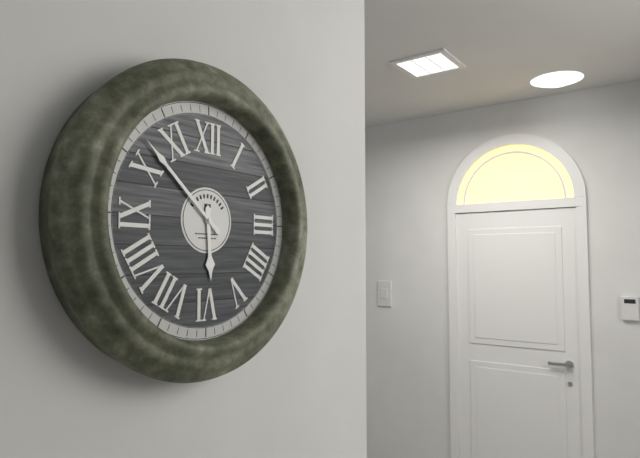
5:52
